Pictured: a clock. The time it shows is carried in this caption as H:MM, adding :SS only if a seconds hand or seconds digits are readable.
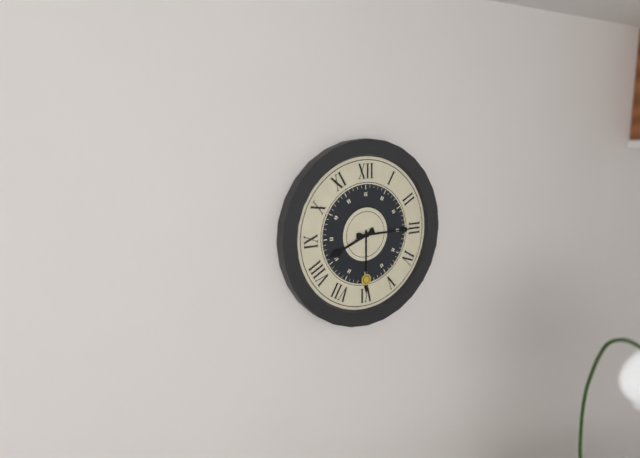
8:15
